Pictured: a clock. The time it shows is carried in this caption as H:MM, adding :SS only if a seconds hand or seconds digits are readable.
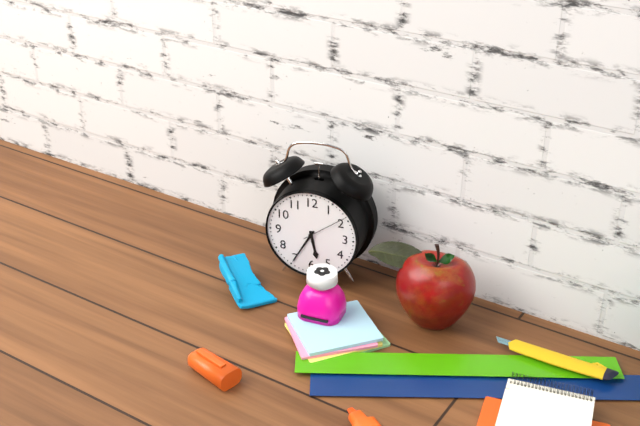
5:35
